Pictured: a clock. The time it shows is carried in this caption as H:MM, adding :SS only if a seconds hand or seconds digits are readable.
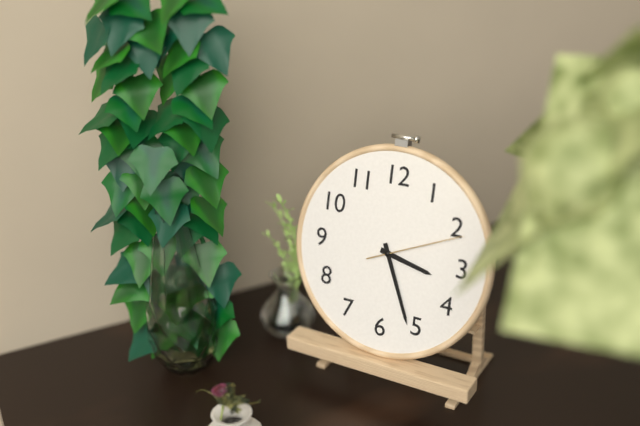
3:26:11
